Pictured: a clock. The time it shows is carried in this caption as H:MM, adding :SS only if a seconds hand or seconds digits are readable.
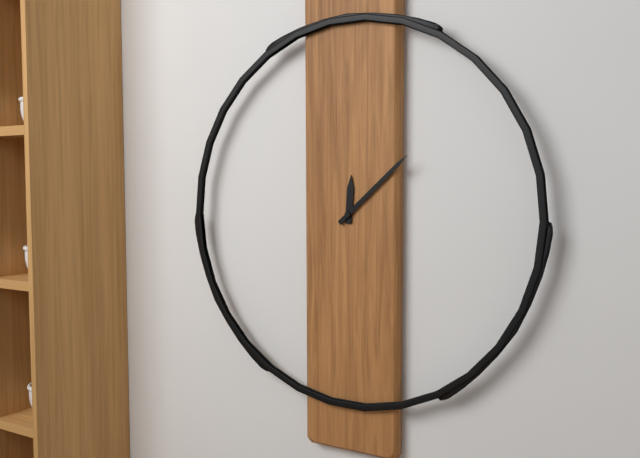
12:08
